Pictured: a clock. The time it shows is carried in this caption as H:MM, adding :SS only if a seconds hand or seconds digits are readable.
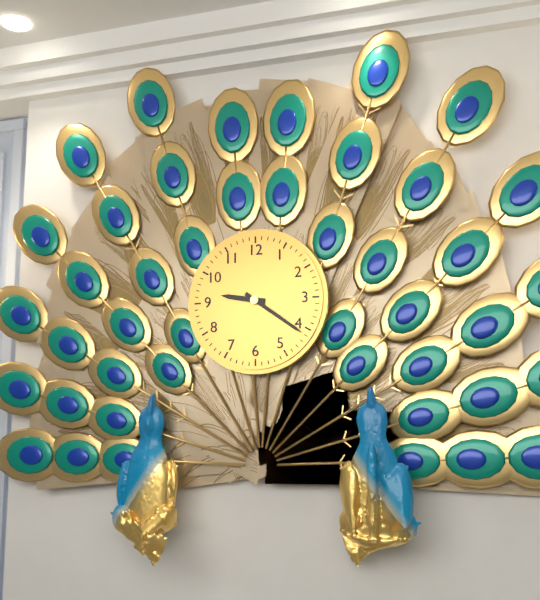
9:21
